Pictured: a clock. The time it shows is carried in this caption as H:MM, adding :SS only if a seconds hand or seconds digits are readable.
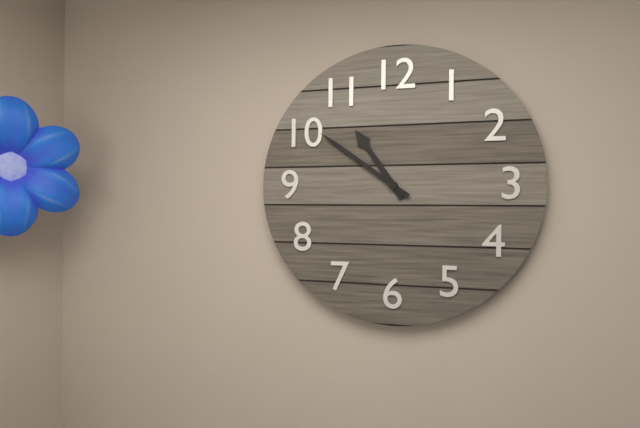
10:51
